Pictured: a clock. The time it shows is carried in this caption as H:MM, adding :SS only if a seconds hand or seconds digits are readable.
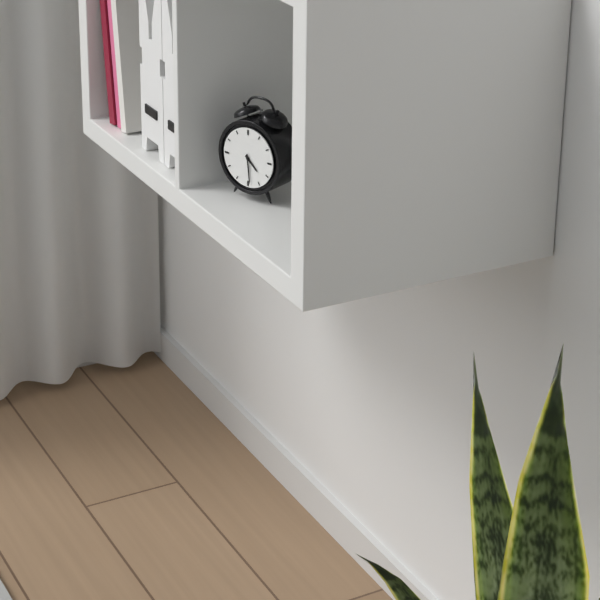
4:29
